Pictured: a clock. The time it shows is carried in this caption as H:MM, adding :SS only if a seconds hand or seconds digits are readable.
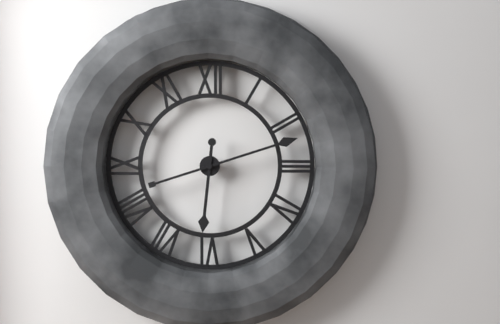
6:12
